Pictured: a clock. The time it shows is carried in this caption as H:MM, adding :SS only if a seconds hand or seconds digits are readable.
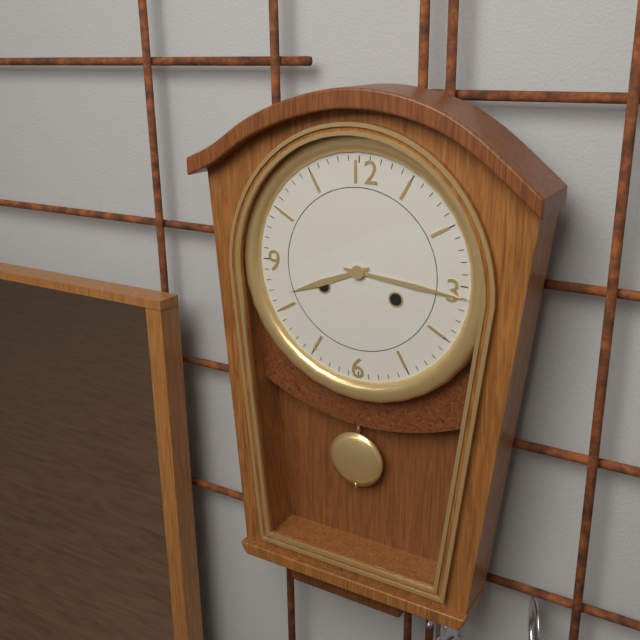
8:16
